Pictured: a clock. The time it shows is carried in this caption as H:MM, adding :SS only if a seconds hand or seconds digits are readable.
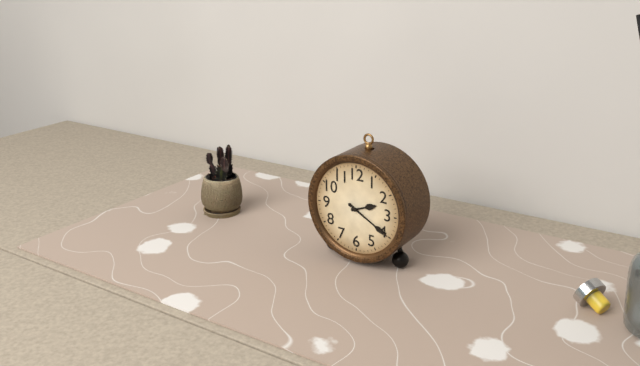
2:20
